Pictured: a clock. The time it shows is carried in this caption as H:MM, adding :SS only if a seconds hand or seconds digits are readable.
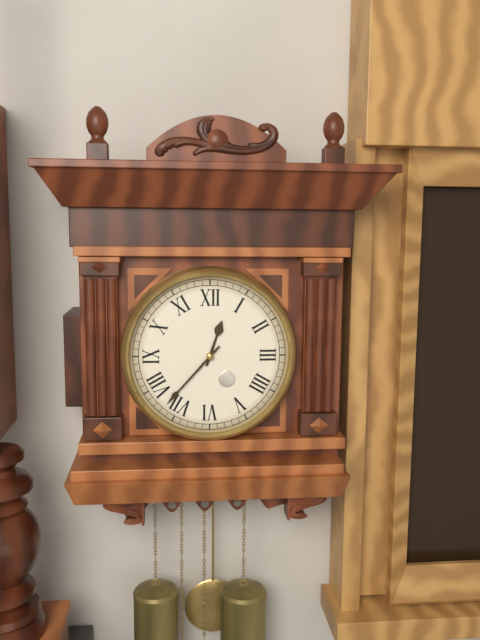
12:37
